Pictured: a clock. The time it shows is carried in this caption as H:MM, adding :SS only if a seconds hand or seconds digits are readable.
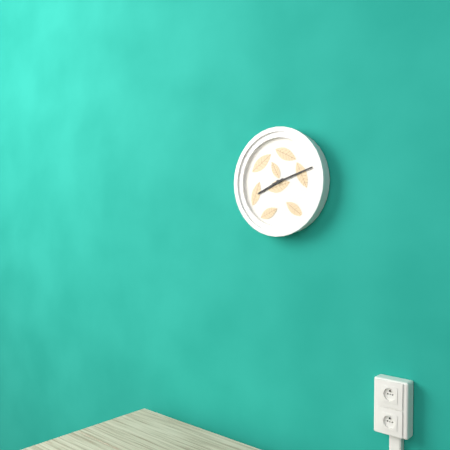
8:12
